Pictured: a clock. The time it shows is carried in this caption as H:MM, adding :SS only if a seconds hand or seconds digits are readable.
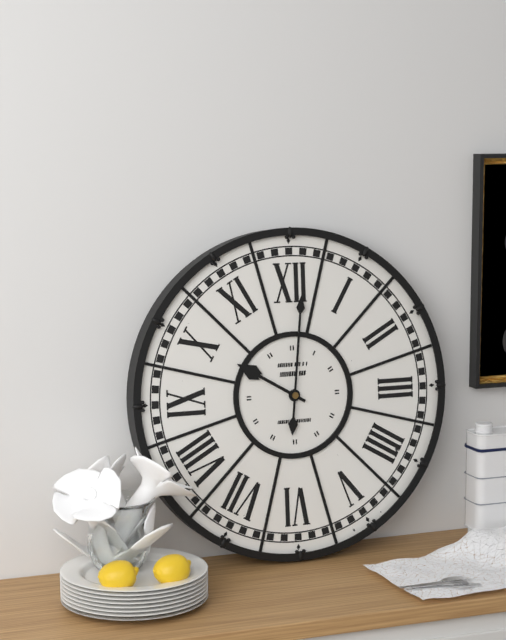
10:01
